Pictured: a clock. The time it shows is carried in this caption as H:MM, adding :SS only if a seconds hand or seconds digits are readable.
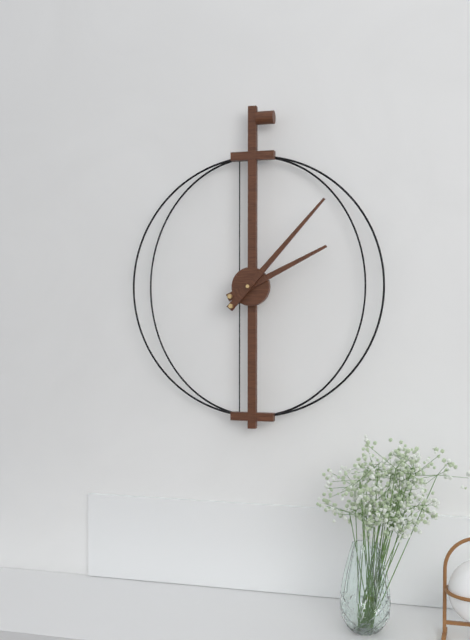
2:07
